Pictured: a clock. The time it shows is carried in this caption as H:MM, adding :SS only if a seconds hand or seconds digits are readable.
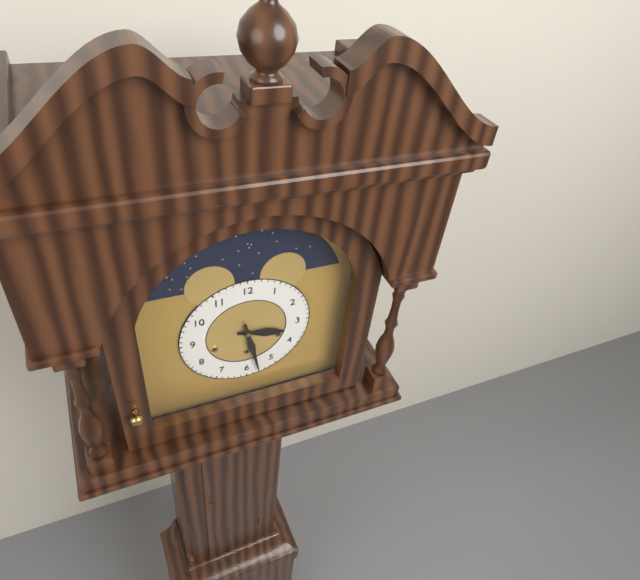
3:28
